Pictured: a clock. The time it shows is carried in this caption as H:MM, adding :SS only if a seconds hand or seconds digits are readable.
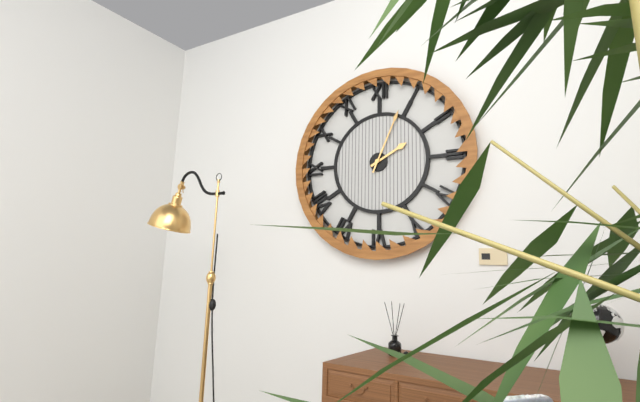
2:04
